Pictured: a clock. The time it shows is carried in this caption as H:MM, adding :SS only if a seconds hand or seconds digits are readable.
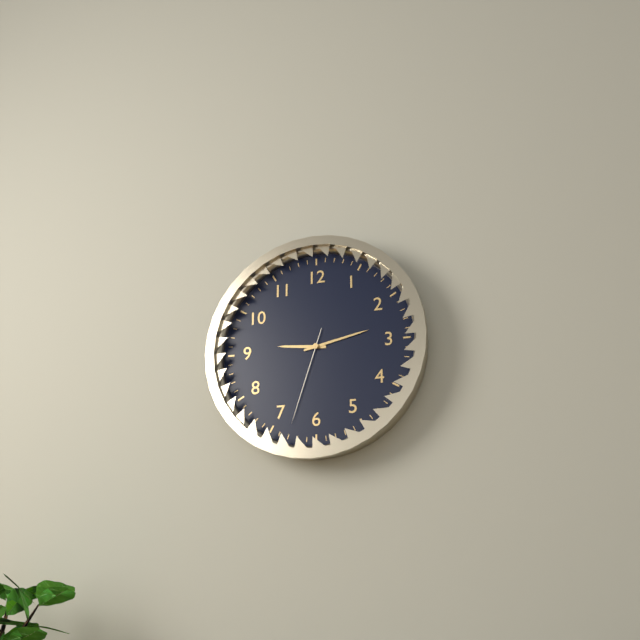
9:13:33
